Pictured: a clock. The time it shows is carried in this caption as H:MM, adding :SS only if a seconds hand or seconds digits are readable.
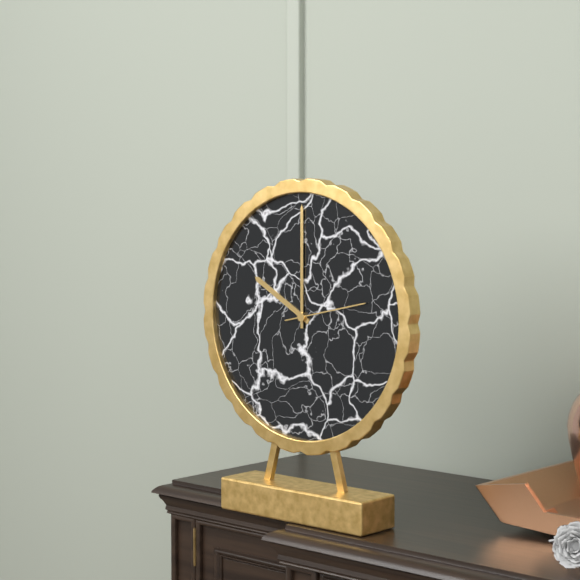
10:00:13
